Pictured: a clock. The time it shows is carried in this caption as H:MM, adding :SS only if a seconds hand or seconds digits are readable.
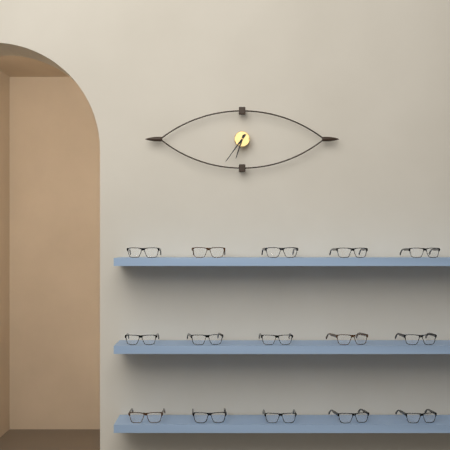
6:36
